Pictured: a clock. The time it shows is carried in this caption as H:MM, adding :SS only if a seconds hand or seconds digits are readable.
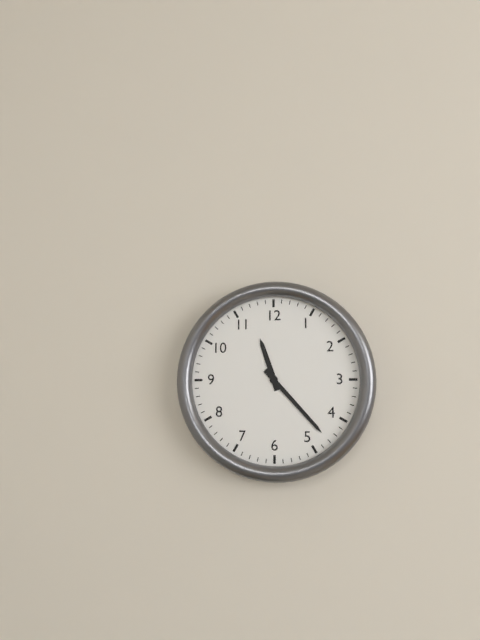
11:23
